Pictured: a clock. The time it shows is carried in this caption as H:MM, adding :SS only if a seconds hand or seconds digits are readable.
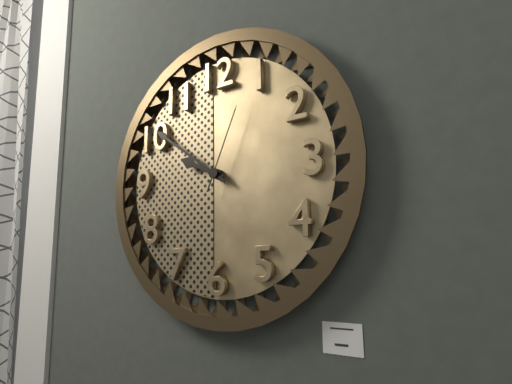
9:51:04
